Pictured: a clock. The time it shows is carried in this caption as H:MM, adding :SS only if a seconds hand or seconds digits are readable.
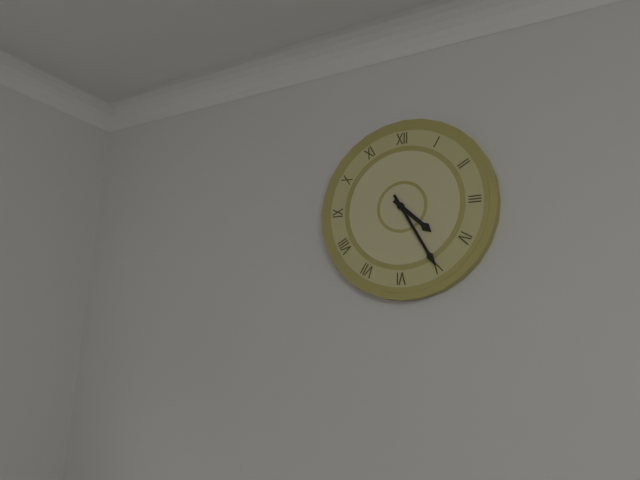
4:25
